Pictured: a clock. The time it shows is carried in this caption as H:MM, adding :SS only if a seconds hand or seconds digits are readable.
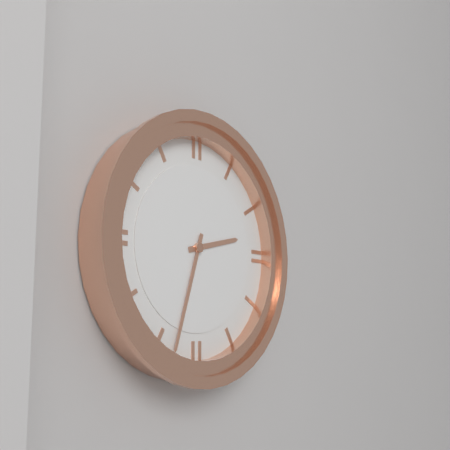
2:33
